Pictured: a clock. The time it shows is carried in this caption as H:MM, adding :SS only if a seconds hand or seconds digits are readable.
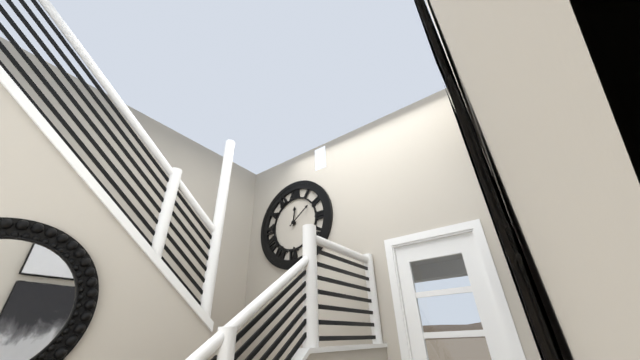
12:09
